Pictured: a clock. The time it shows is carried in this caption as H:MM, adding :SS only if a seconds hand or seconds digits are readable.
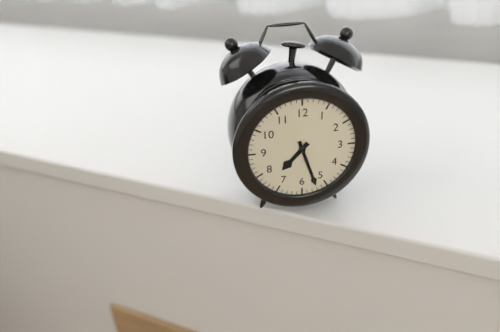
7:27
